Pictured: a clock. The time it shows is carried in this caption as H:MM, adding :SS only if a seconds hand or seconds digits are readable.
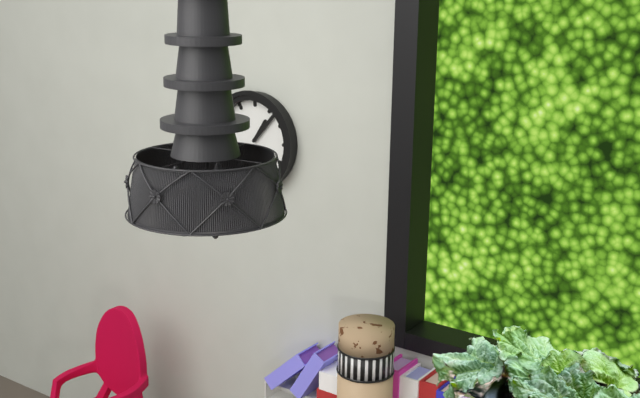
1:07
